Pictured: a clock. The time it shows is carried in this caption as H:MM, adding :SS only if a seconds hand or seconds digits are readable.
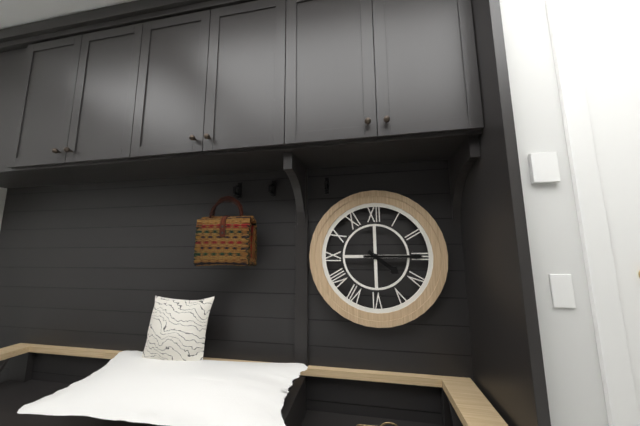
4:15
